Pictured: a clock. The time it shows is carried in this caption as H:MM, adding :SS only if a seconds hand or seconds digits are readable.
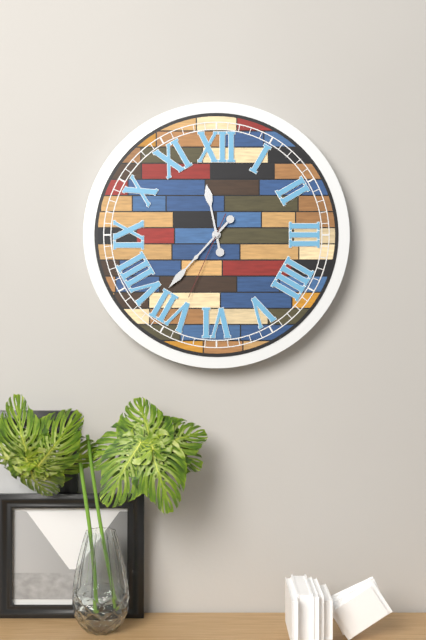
11:37:34
